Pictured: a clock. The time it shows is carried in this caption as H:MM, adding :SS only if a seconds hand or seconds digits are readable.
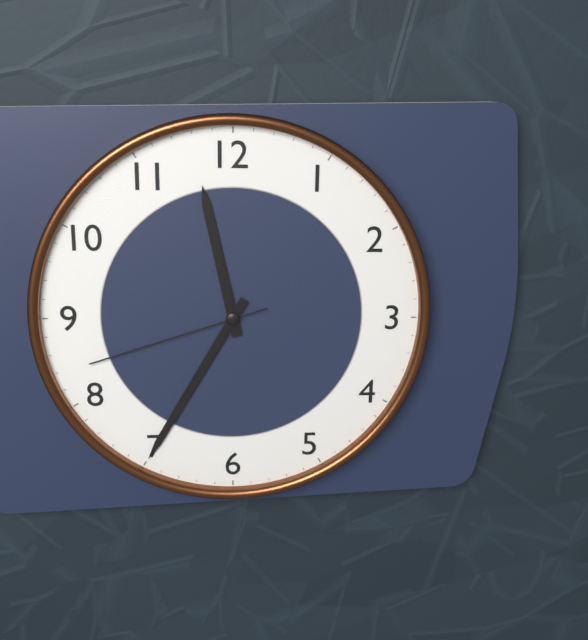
11:35:42
